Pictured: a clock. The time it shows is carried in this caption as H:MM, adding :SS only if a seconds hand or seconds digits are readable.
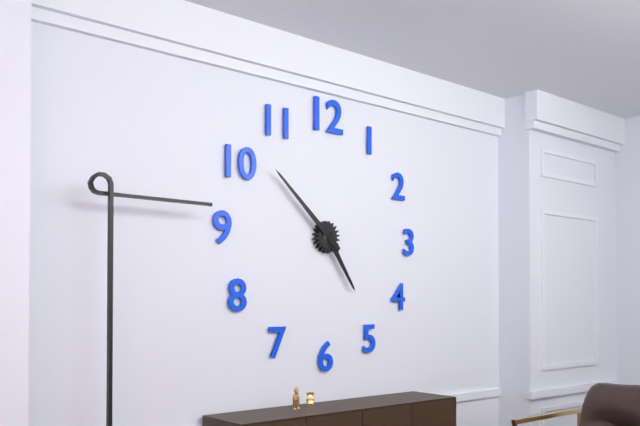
4:52
